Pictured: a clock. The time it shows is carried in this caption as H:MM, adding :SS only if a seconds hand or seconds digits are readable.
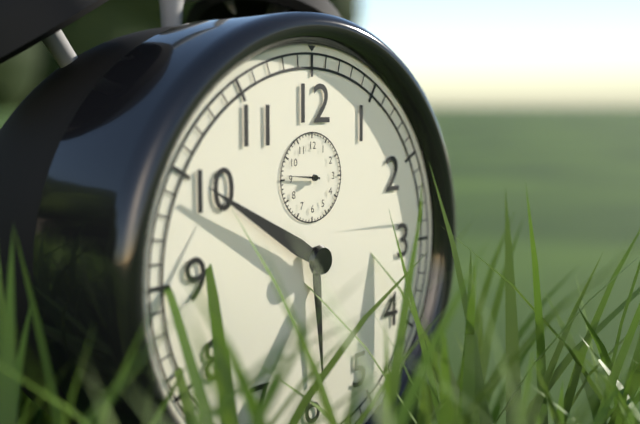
5:50
